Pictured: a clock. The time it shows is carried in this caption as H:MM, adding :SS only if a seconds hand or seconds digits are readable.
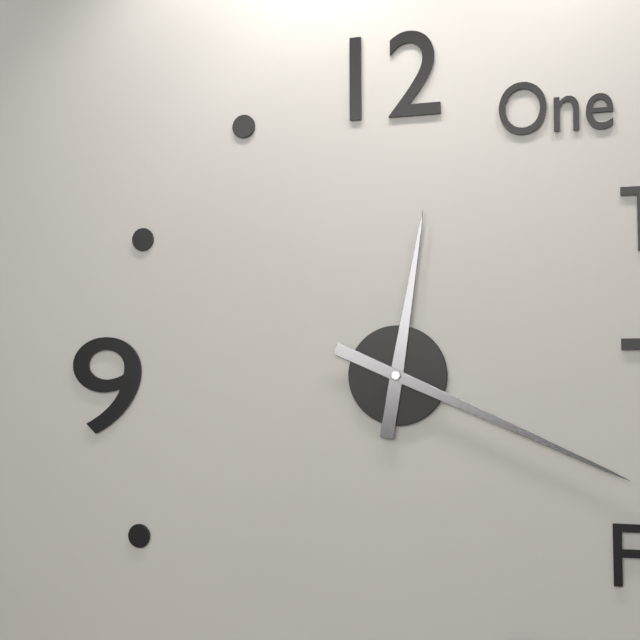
12:19
